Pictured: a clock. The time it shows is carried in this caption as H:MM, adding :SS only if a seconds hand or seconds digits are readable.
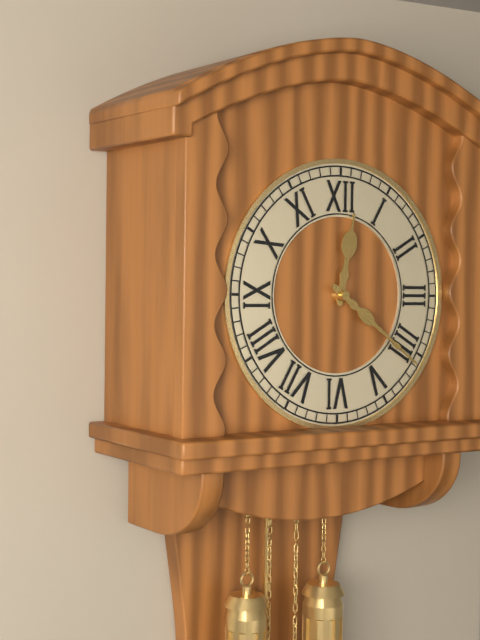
12:21
